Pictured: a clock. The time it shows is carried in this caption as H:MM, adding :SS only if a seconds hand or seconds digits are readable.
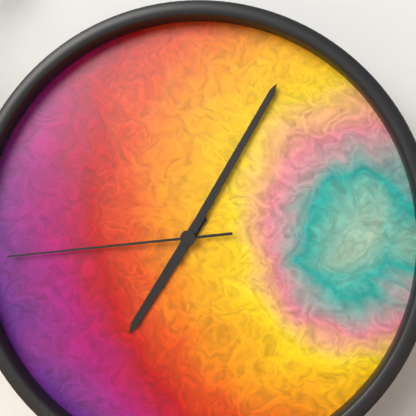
7:05:44
